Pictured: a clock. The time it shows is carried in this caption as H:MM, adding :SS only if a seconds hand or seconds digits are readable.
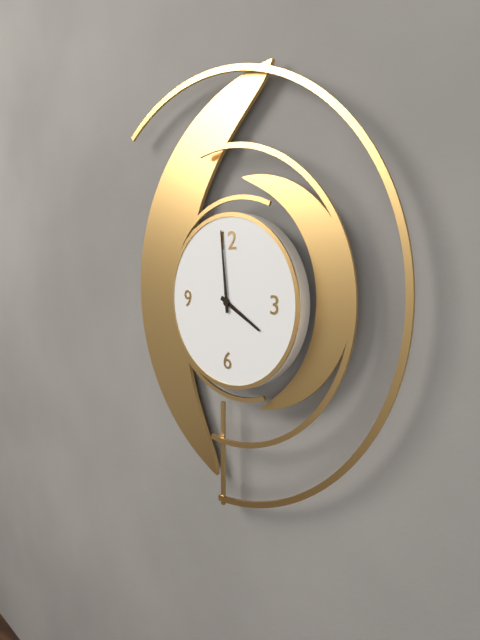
3:59
